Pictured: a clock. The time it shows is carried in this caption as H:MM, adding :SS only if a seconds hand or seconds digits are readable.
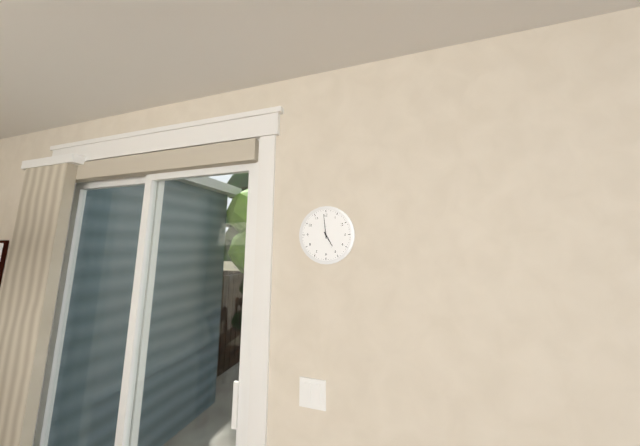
4:59
